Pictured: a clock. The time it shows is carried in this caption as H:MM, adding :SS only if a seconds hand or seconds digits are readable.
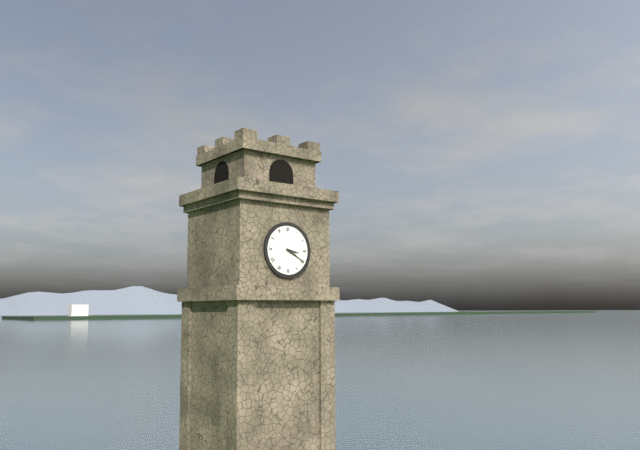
3:20
